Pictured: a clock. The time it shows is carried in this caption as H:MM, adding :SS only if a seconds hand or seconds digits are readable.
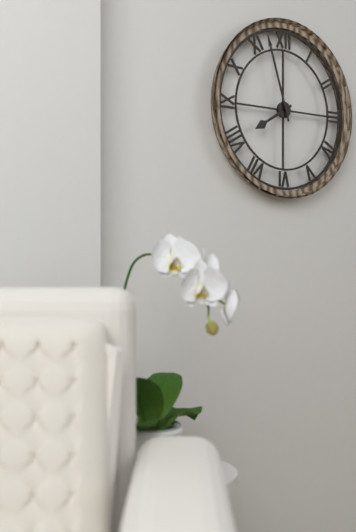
7:57
